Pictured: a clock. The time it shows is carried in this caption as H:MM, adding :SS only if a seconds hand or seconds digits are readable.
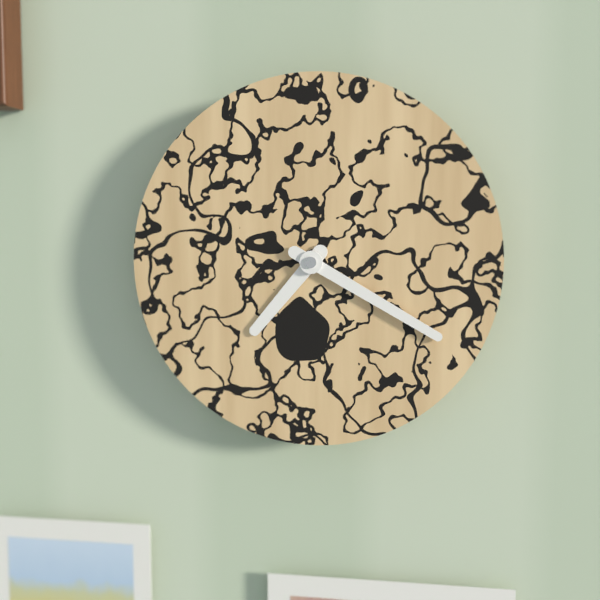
7:20
